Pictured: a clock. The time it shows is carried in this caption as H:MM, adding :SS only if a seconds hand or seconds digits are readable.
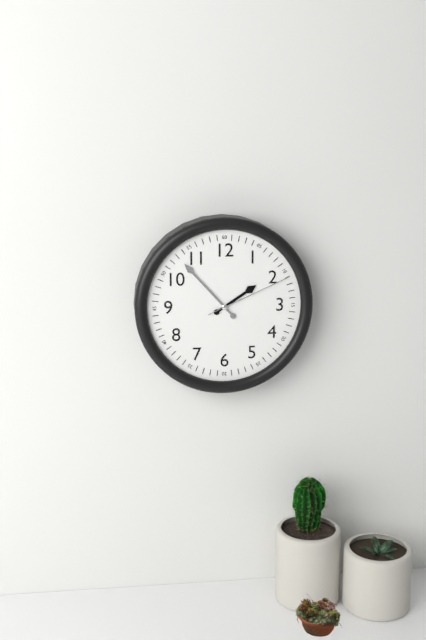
1:53:11
